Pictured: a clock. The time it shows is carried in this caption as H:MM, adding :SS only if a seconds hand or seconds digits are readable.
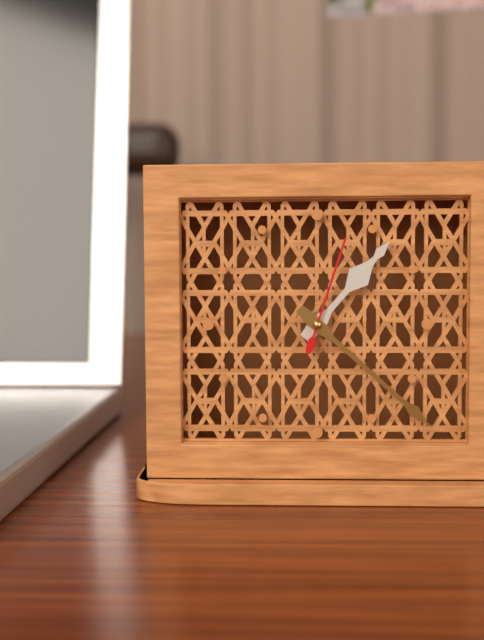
1:22:03
